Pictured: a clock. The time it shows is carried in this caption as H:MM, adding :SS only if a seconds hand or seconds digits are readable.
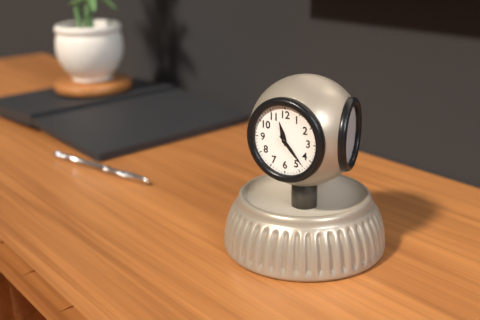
11:23
